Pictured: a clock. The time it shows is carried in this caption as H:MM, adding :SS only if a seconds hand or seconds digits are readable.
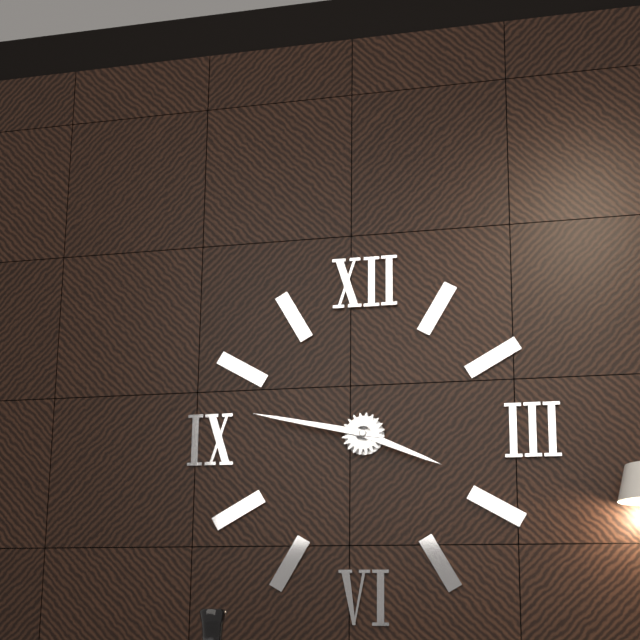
3:47
